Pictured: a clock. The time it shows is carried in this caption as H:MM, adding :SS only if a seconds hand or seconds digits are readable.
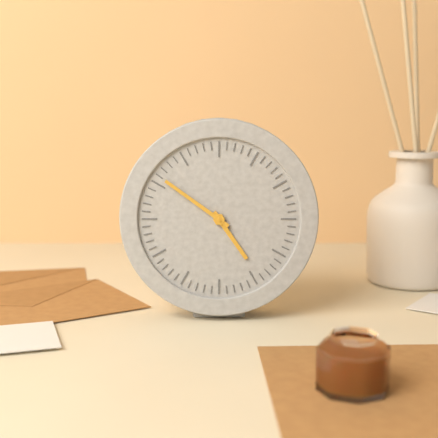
4:51
